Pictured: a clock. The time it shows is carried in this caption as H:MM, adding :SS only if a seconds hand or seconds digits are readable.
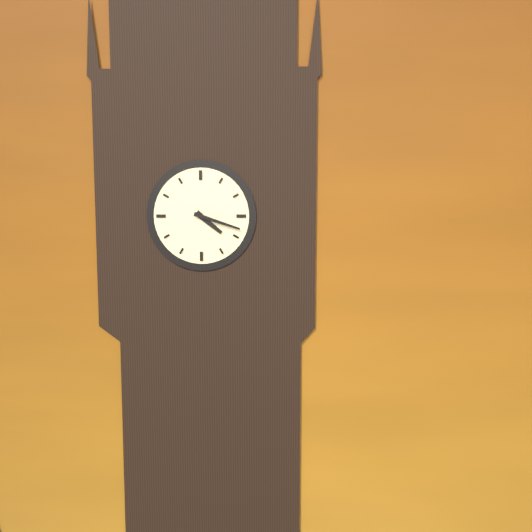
4:18
